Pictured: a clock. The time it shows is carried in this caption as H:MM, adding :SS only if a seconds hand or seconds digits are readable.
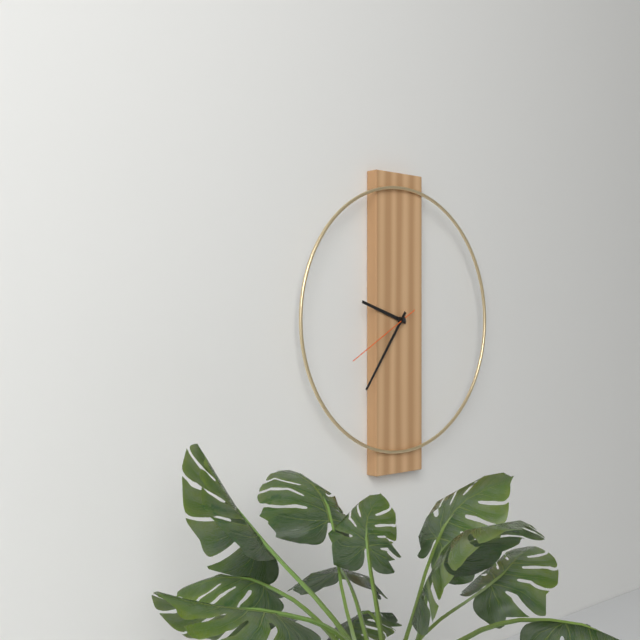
9:36:40
